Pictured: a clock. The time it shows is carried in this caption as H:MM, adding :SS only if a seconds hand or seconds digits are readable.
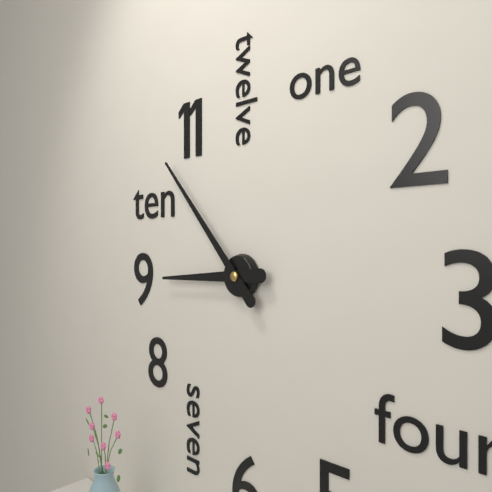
8:53
